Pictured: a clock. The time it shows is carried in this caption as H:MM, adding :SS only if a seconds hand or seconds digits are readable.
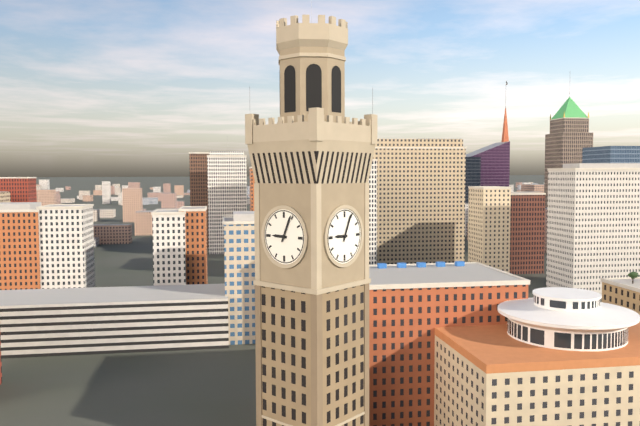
9:04
